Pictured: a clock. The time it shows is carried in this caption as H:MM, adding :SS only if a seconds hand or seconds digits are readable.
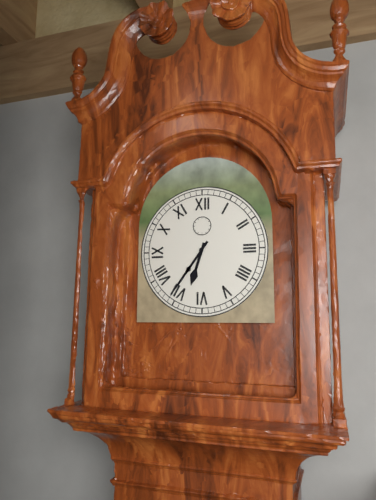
6:36
